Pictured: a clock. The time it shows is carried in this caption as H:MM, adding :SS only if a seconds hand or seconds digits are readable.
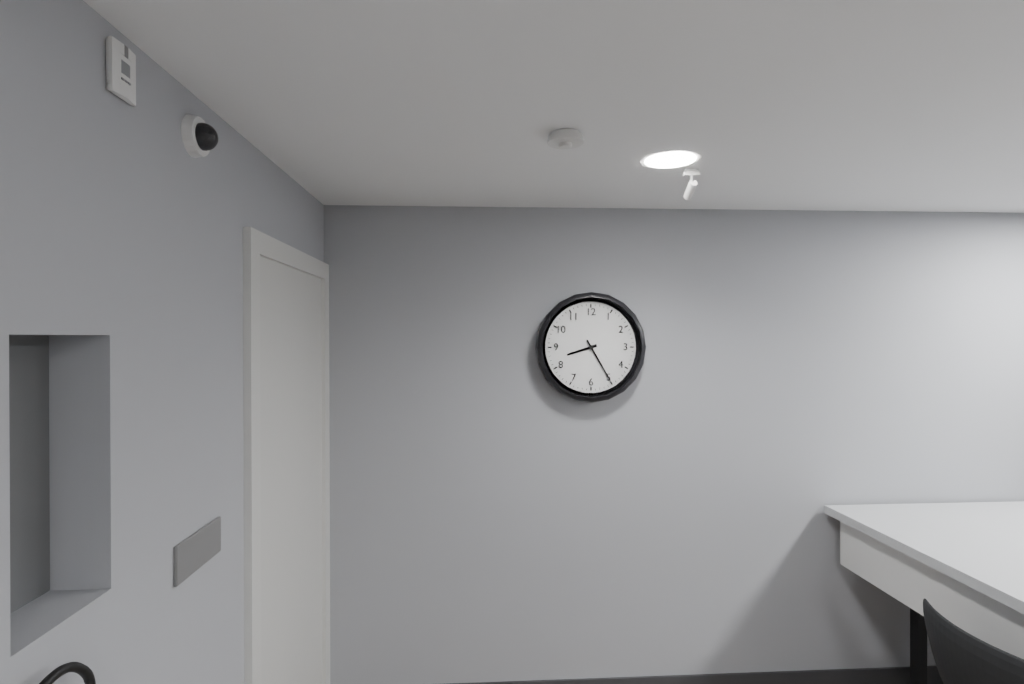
8:25
